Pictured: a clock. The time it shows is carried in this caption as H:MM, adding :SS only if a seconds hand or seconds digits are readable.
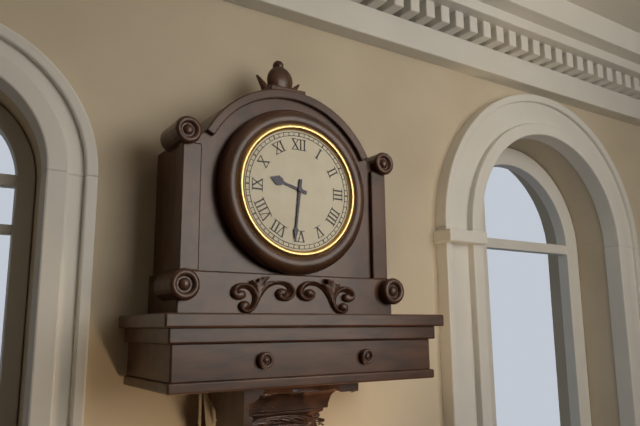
9:31
